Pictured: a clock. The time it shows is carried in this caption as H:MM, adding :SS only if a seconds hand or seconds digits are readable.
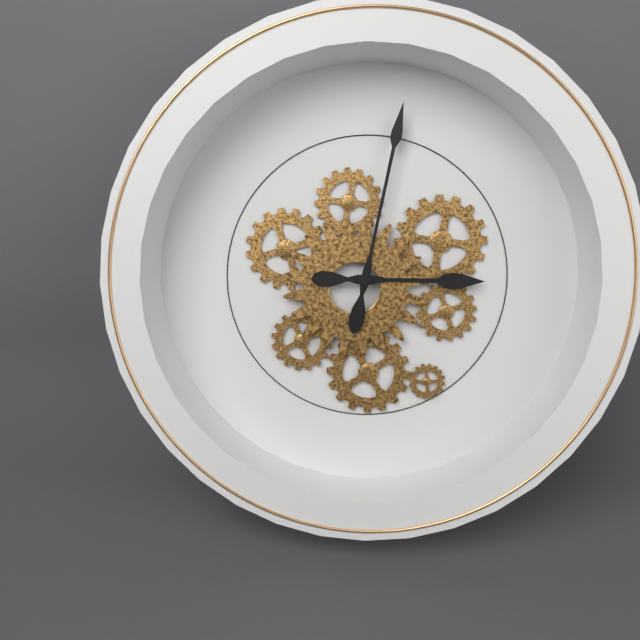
3:02
